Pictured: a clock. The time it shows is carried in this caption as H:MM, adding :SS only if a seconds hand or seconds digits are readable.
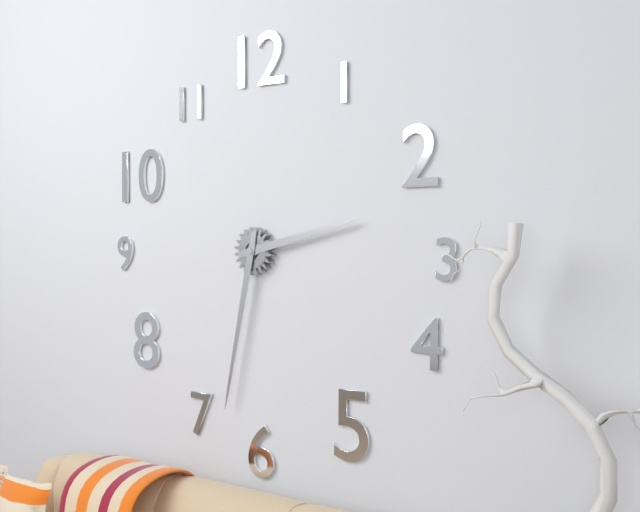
2:32
